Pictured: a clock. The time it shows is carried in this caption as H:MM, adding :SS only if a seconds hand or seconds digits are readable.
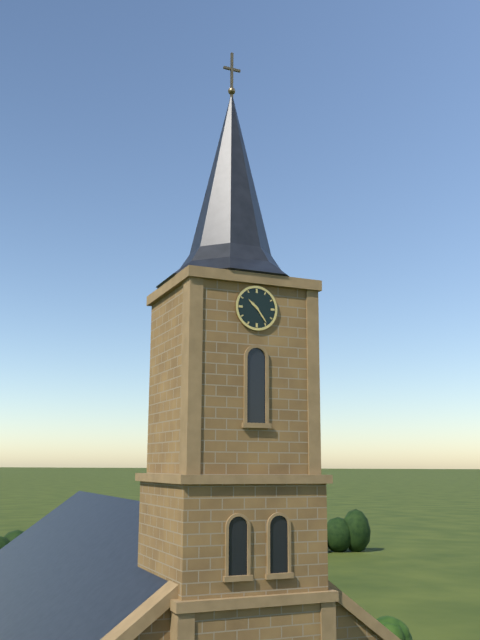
10:24
